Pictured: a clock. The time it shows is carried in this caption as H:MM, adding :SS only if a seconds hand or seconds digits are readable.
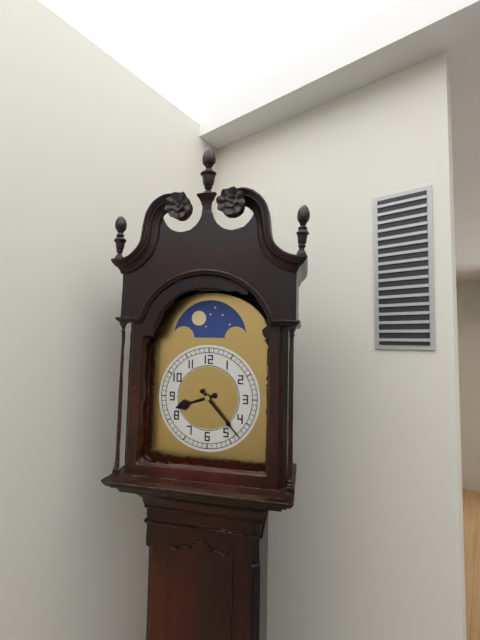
8:23
